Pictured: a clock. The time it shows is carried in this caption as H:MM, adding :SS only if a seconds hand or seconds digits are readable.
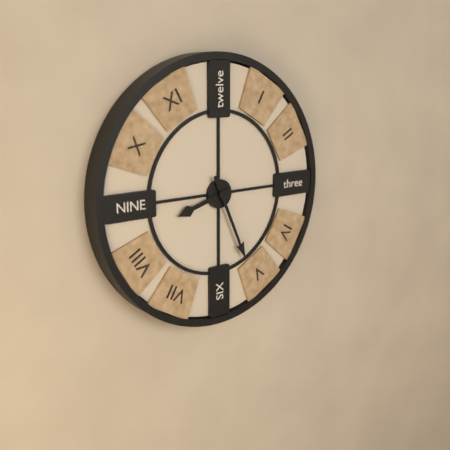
8:26
